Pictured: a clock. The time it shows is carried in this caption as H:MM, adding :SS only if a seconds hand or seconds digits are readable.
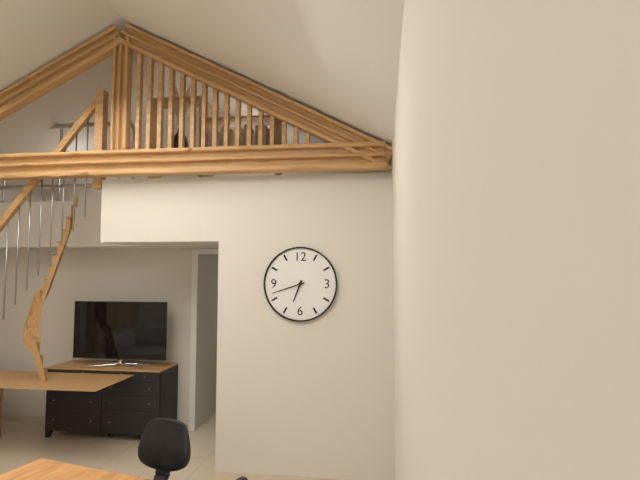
6:42
